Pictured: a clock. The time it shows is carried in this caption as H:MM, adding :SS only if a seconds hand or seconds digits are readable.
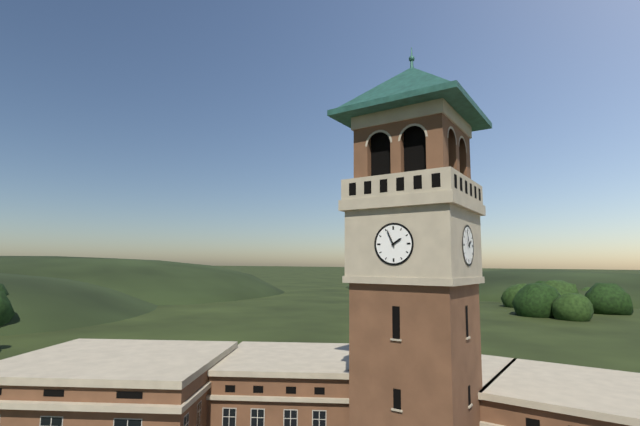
1:56
